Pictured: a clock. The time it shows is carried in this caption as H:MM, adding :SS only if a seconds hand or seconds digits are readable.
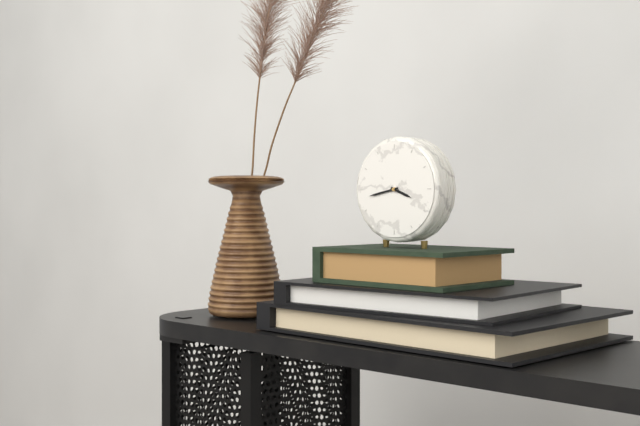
3:43
